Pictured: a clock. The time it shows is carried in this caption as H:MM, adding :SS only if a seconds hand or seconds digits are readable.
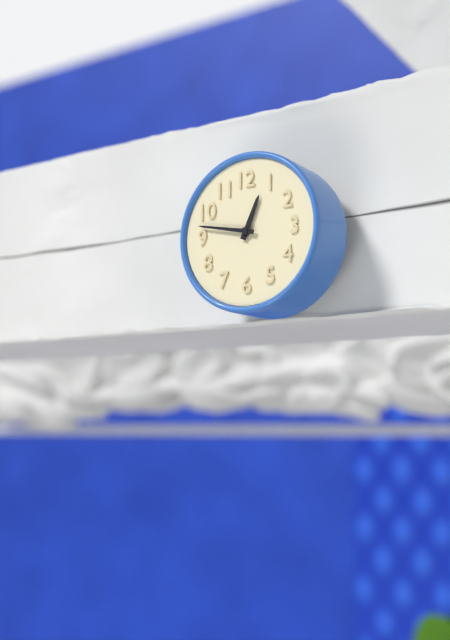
12:47
